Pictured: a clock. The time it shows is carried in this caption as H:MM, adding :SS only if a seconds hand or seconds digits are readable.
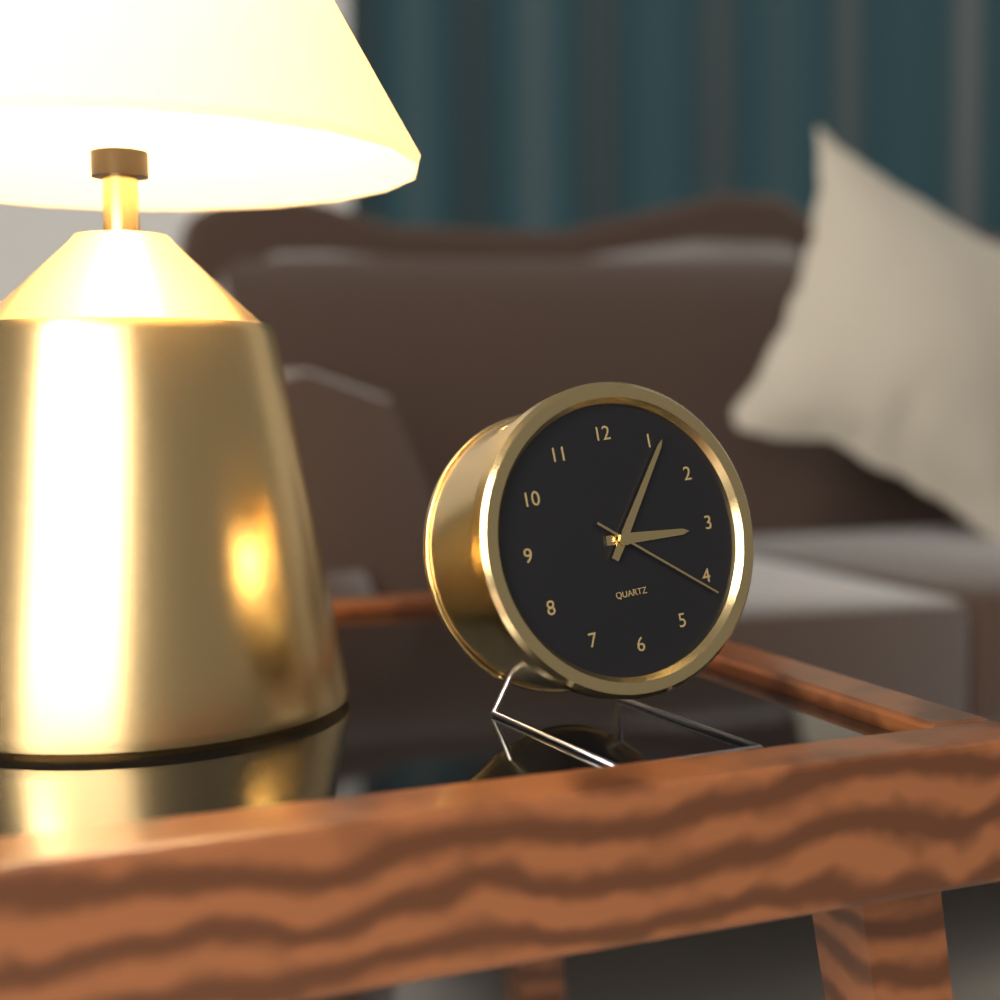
3:06:21
